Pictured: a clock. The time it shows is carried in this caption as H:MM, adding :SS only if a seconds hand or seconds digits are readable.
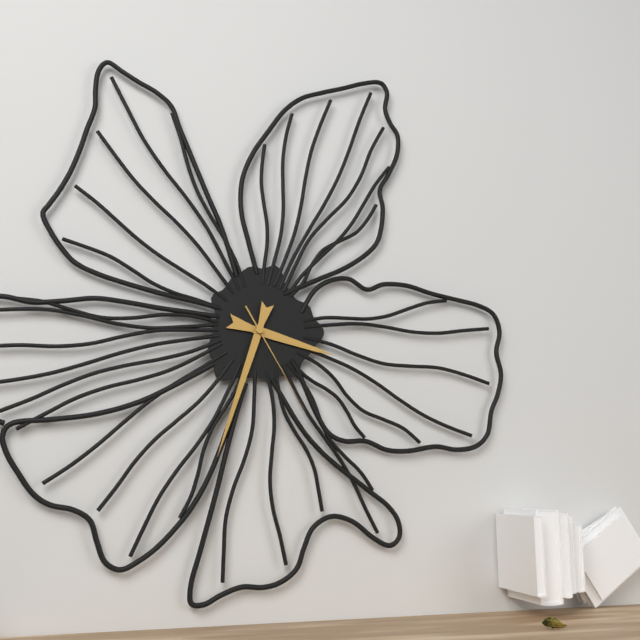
3:33:25
